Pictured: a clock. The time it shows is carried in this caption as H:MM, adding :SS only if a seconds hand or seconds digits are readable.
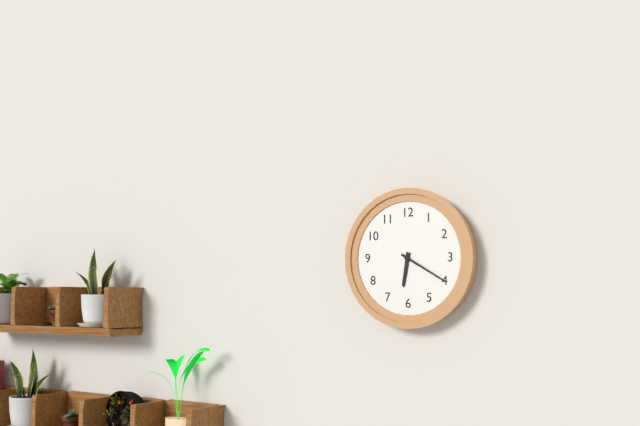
6:20
